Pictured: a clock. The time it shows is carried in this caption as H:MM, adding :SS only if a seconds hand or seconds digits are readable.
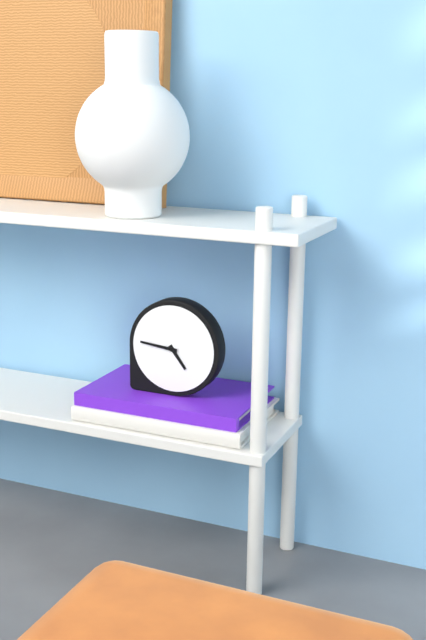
4:46
